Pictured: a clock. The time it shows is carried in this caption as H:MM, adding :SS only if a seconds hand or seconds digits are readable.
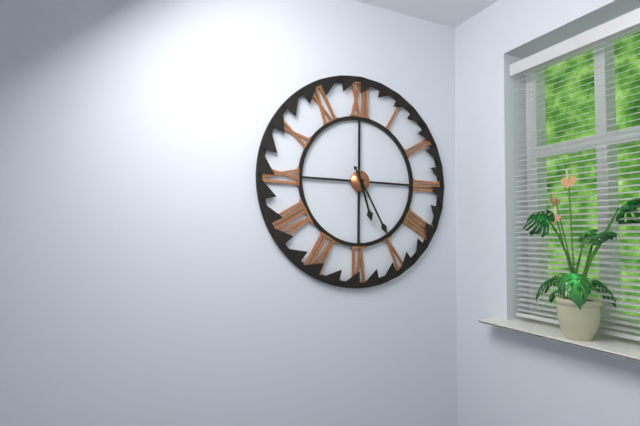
5:25
